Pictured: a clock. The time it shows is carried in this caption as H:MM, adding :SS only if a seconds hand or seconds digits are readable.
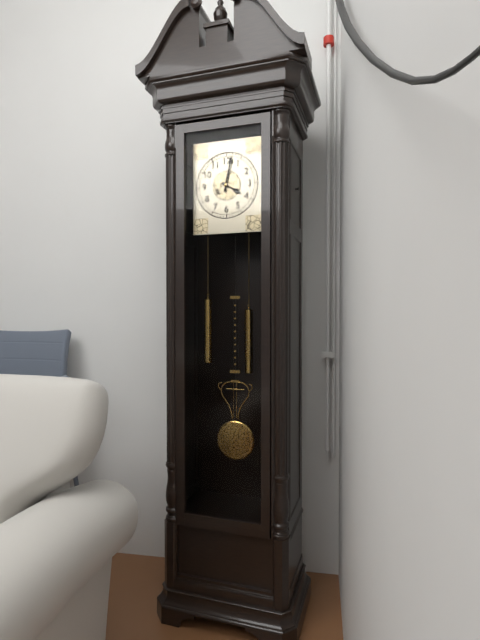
4:02
